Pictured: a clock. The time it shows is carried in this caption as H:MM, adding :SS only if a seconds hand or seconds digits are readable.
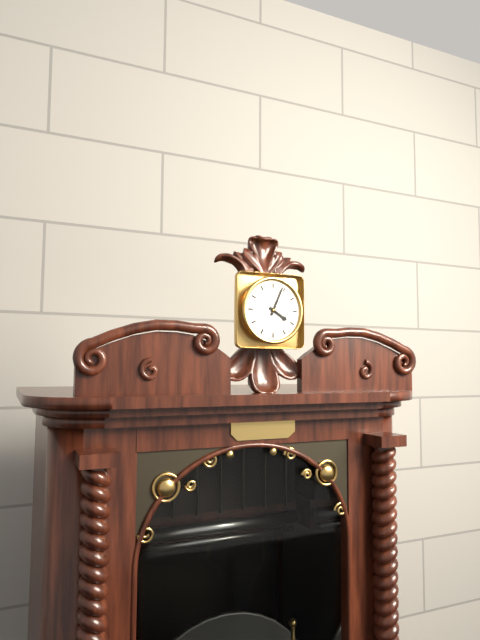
4:04
